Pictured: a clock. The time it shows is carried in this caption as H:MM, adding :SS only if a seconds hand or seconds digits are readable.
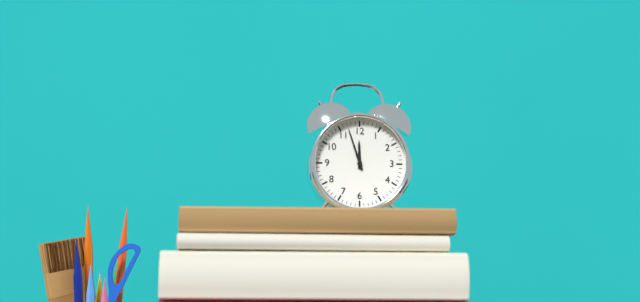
11:57
